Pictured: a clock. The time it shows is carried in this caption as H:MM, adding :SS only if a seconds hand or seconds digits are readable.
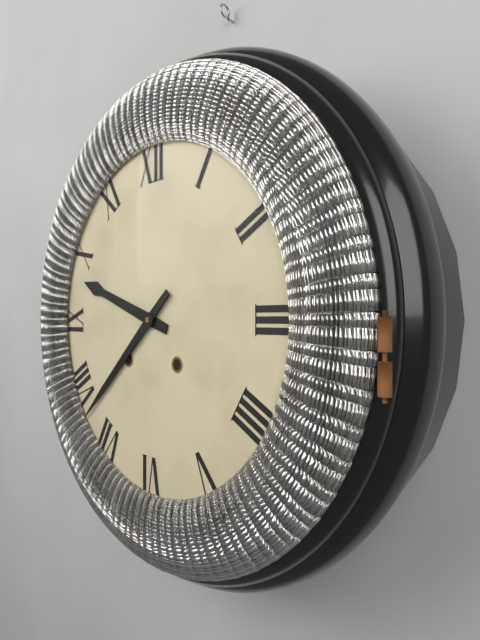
9:38
